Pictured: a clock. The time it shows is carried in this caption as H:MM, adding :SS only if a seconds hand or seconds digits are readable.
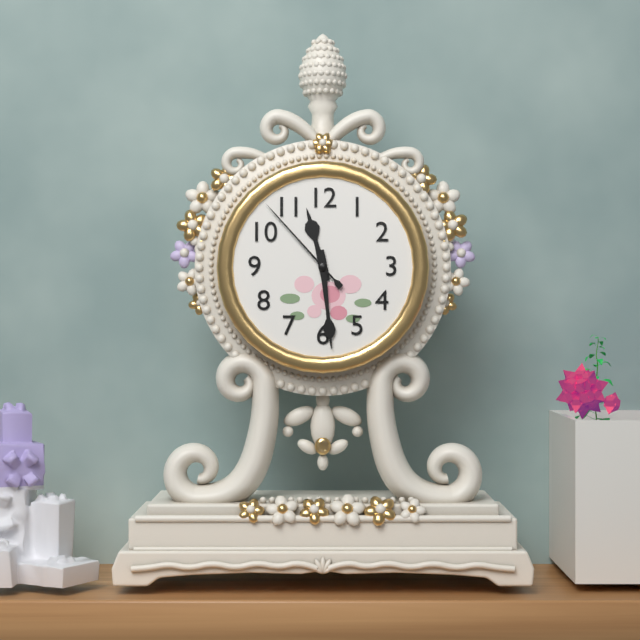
11:29:53
